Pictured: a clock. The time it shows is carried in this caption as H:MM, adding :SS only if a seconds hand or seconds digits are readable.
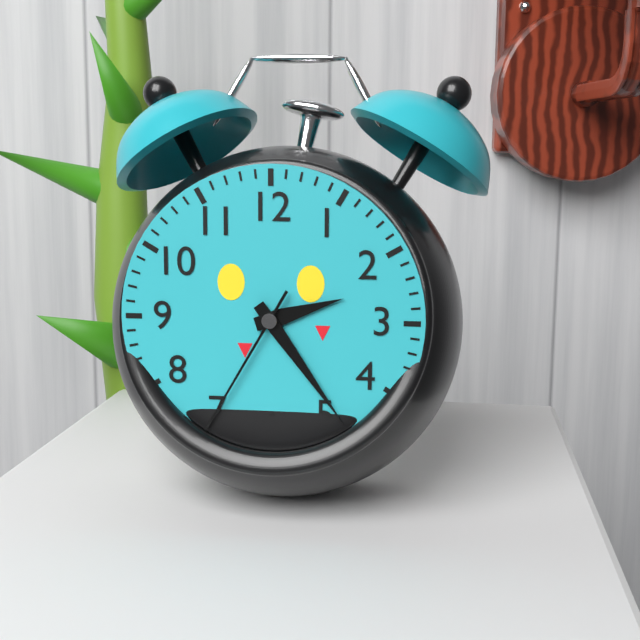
2:24:35
